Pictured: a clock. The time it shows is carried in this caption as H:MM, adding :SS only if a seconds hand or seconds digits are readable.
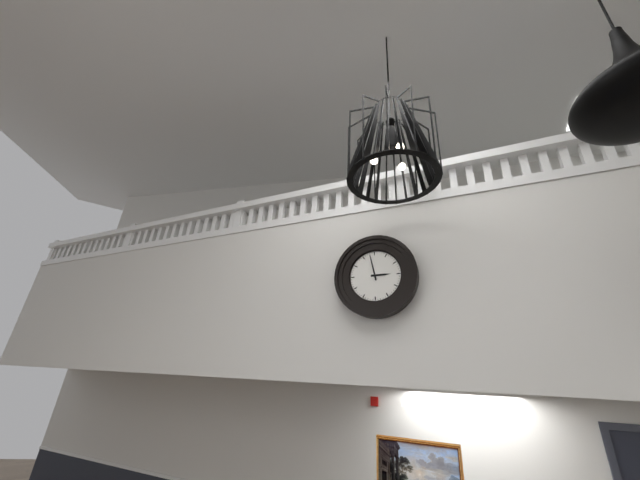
2:58
